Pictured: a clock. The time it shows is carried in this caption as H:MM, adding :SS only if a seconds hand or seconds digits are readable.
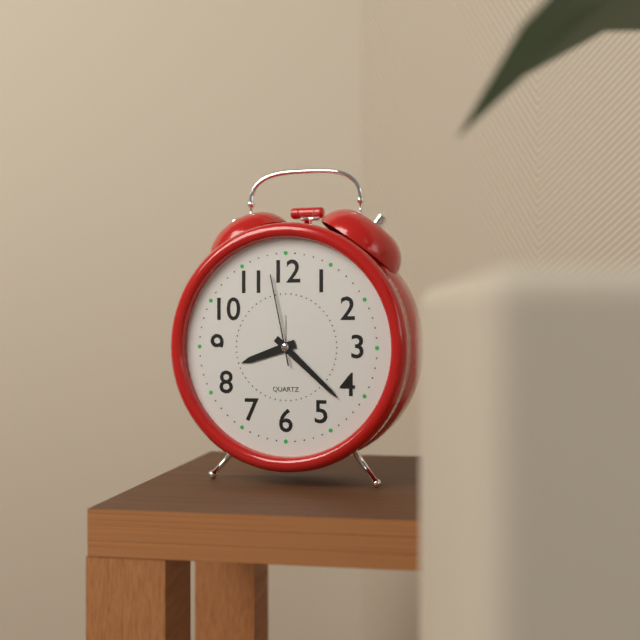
8:22:58
